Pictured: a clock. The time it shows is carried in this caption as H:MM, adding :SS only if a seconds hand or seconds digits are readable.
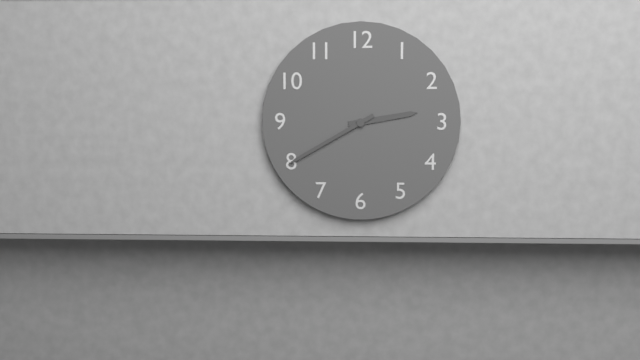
2:40
